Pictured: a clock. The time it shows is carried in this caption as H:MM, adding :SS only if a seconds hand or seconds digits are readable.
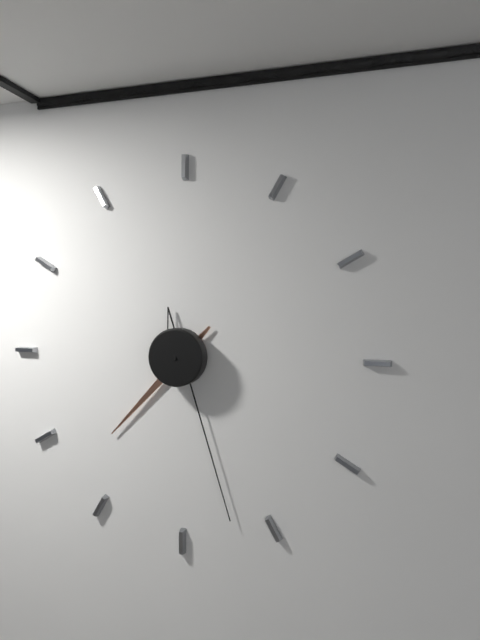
7:27
